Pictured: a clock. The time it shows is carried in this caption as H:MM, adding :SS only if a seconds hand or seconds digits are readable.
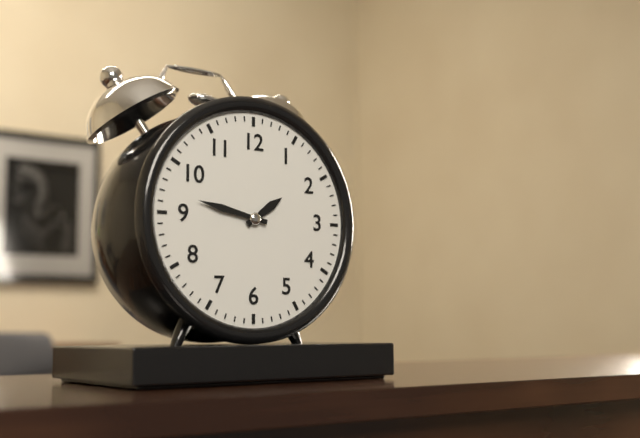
1:47
